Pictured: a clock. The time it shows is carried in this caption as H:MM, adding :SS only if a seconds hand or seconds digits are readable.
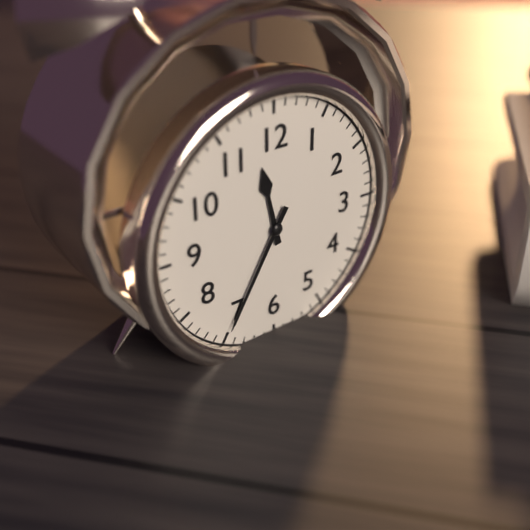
11:35
